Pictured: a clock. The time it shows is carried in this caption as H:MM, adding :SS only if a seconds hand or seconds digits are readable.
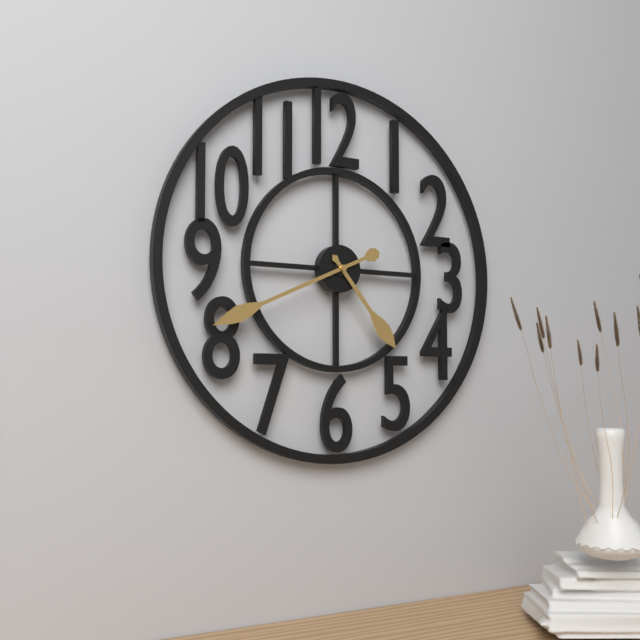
4:41
